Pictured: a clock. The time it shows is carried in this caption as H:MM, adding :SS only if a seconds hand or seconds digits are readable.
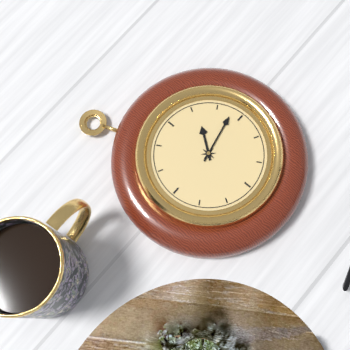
1:13
